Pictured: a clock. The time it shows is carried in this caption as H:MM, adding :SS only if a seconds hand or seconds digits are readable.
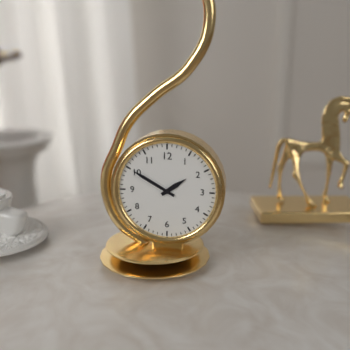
1:50
